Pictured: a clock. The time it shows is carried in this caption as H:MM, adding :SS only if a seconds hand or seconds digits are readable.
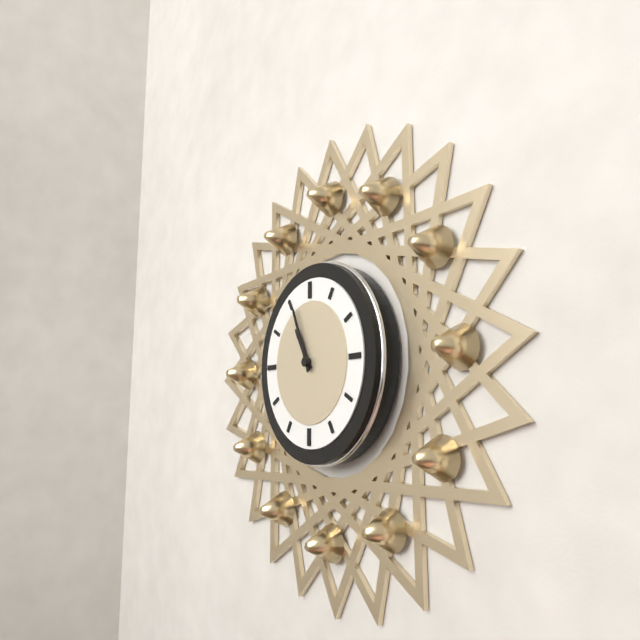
10:56
